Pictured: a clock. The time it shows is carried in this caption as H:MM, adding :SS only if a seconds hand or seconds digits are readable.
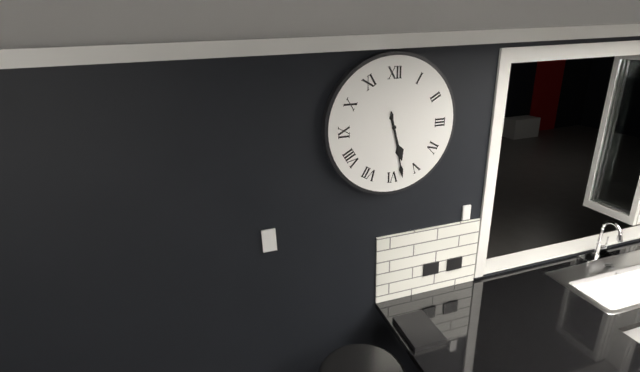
5:28
